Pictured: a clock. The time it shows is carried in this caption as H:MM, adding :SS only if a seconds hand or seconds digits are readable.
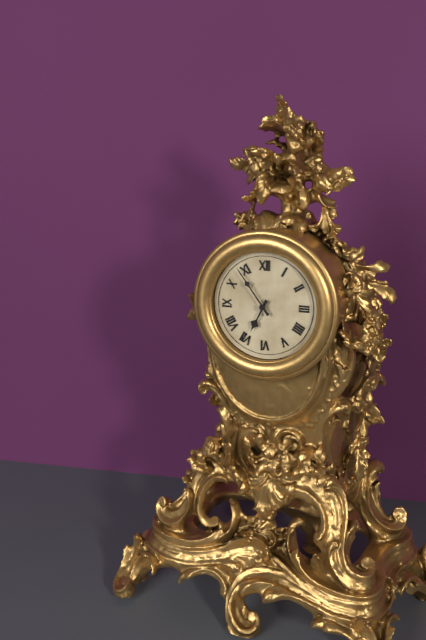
6:54
